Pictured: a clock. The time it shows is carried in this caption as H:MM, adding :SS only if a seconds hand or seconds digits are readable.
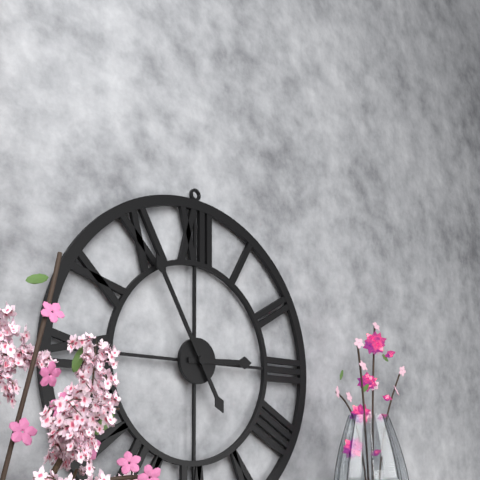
2:55
